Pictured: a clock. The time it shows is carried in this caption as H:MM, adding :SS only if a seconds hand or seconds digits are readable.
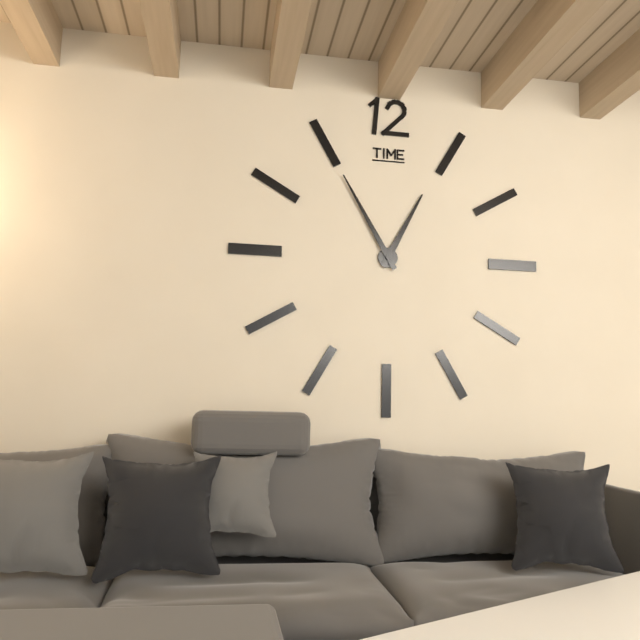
12:55
